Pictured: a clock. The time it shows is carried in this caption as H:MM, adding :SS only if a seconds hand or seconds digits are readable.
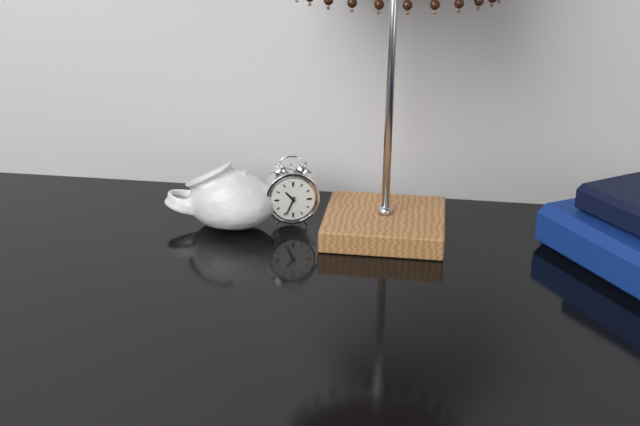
10:34
